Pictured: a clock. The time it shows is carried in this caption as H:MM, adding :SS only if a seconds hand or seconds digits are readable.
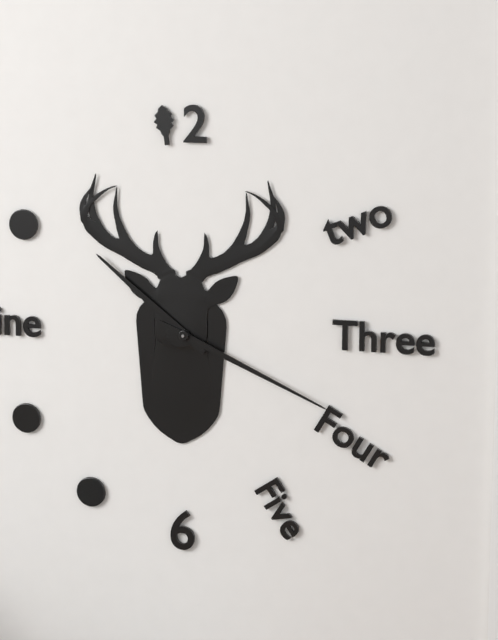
10:19
